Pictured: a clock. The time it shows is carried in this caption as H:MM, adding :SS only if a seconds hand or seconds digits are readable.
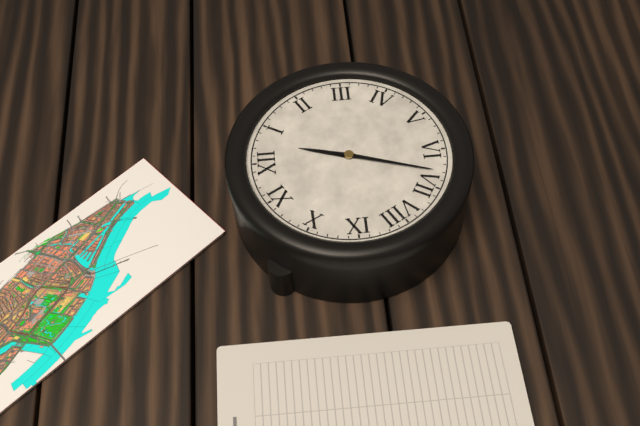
12:33
